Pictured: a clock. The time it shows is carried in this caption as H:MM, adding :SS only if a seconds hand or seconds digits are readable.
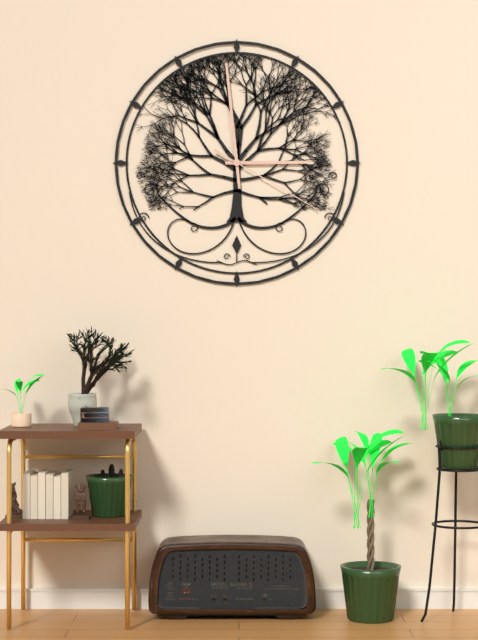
2:59:20
